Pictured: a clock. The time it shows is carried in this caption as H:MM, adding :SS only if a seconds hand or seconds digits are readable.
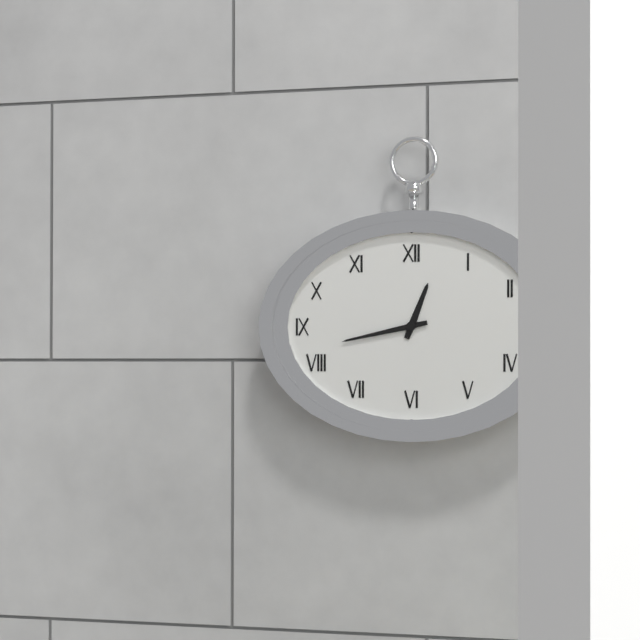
12:43
